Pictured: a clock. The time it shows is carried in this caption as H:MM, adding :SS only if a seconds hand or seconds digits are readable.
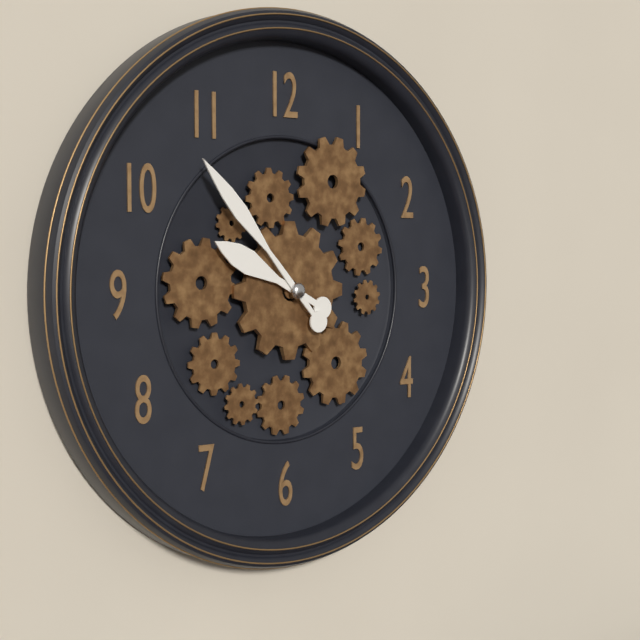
9:53
